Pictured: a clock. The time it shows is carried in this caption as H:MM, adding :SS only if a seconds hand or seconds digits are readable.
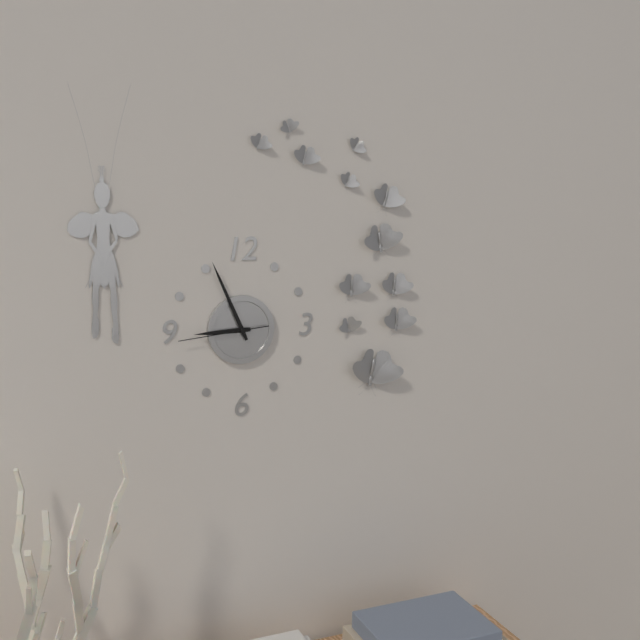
8:56:44
